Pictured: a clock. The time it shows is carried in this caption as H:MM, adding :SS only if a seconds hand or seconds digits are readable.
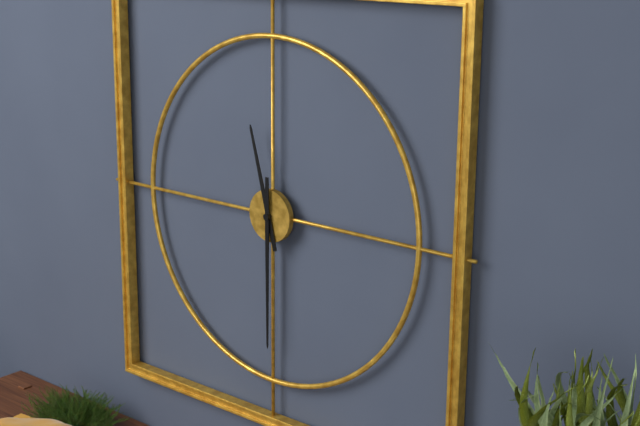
11:30
